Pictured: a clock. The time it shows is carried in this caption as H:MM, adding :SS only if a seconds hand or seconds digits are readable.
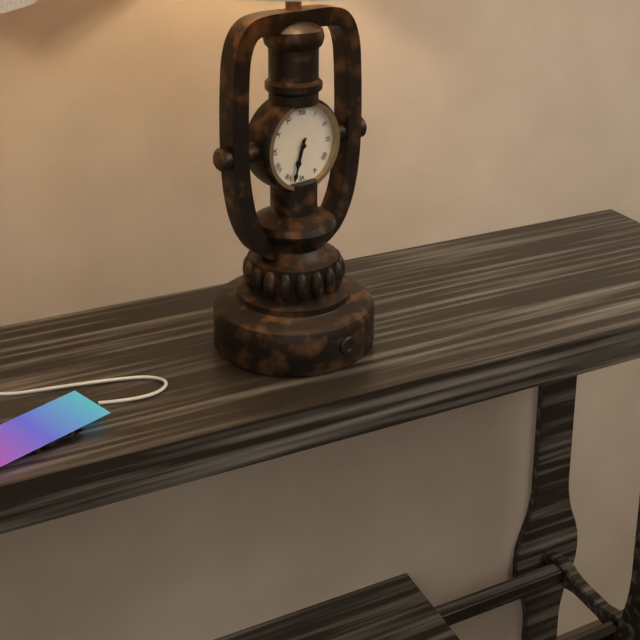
6:33
